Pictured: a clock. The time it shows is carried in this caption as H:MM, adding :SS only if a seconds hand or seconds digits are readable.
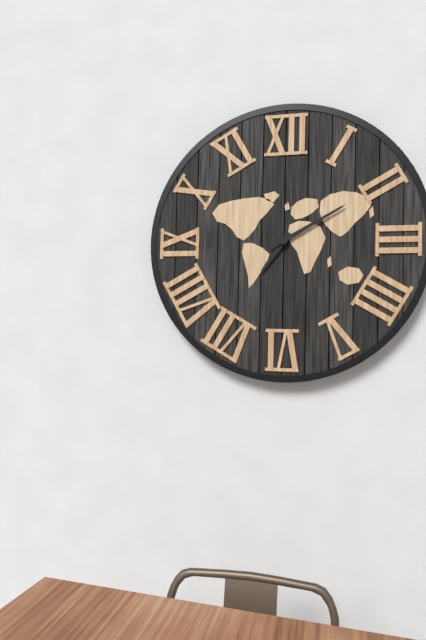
7:10
